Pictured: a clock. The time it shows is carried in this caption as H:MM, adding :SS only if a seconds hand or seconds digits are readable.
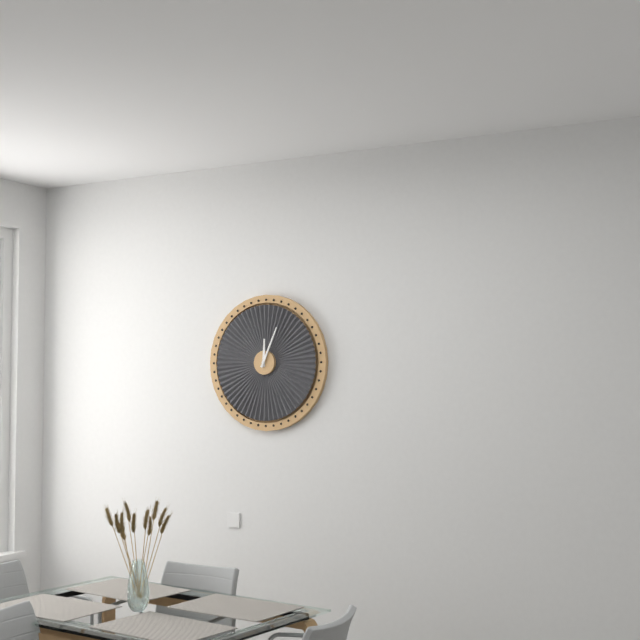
12:04
